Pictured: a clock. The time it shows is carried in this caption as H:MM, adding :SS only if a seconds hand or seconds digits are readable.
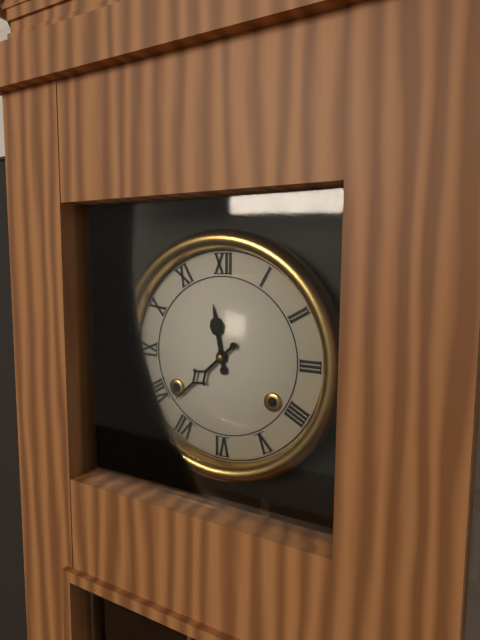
11:38
